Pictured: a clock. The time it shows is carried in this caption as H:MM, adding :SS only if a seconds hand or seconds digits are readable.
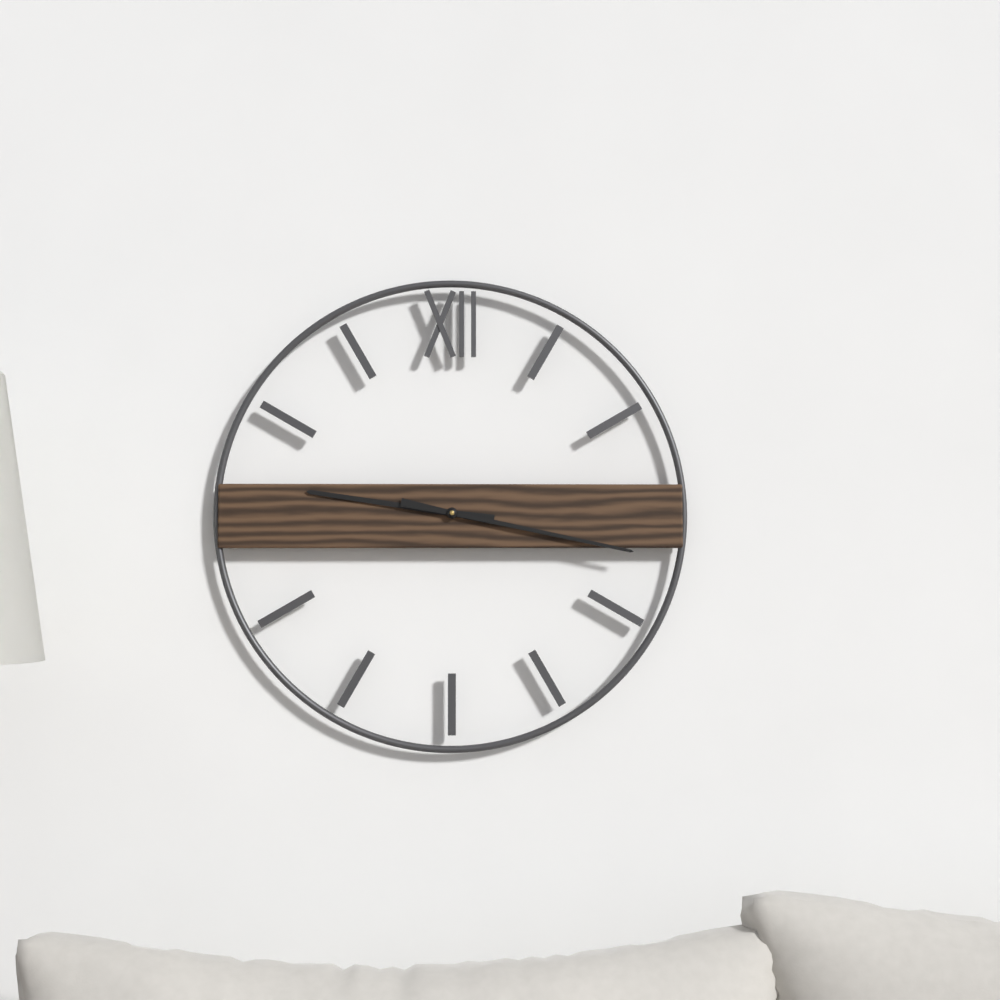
9:17
